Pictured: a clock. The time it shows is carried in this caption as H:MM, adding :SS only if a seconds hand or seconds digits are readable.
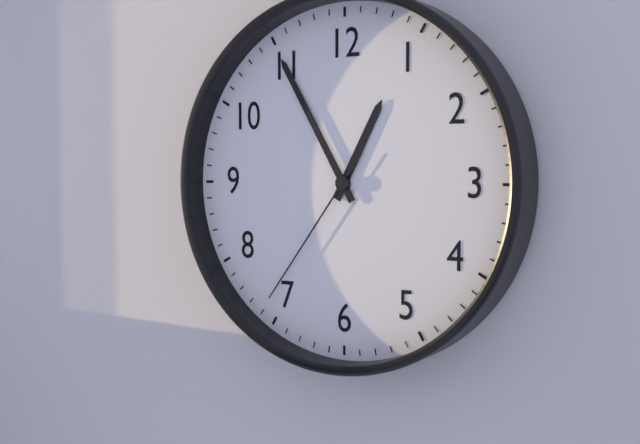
12:55:36
